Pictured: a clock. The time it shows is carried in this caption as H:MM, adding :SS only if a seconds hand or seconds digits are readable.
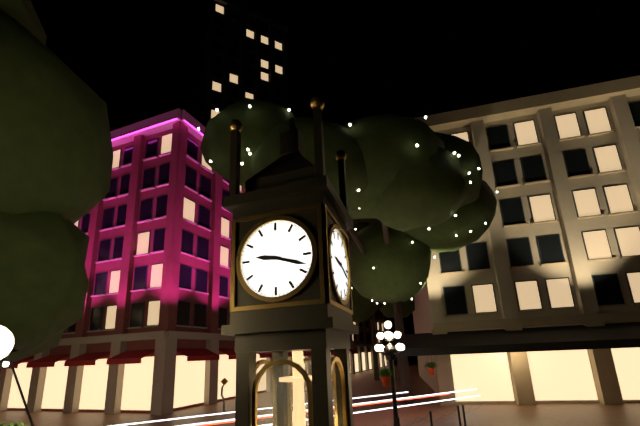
9:18
